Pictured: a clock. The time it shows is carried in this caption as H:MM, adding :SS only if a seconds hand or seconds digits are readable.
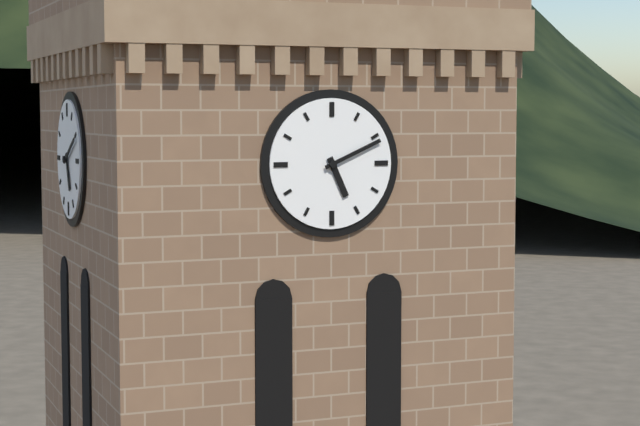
5:11
